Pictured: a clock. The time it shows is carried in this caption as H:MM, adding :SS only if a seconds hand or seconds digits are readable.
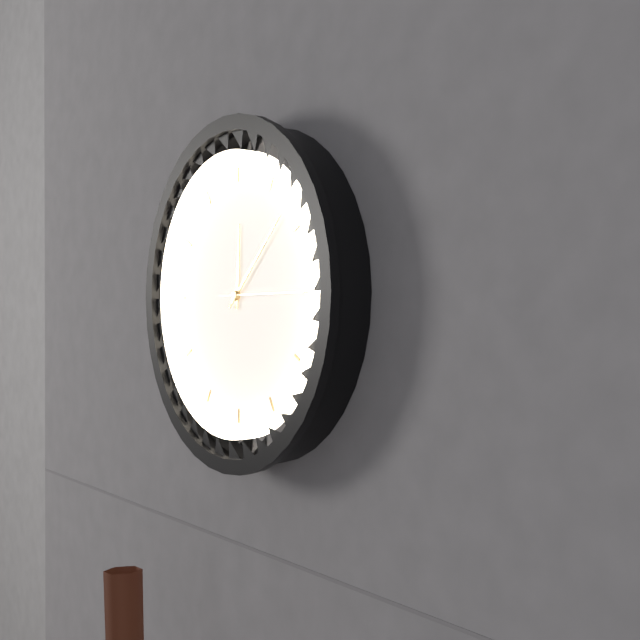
12:08:15
